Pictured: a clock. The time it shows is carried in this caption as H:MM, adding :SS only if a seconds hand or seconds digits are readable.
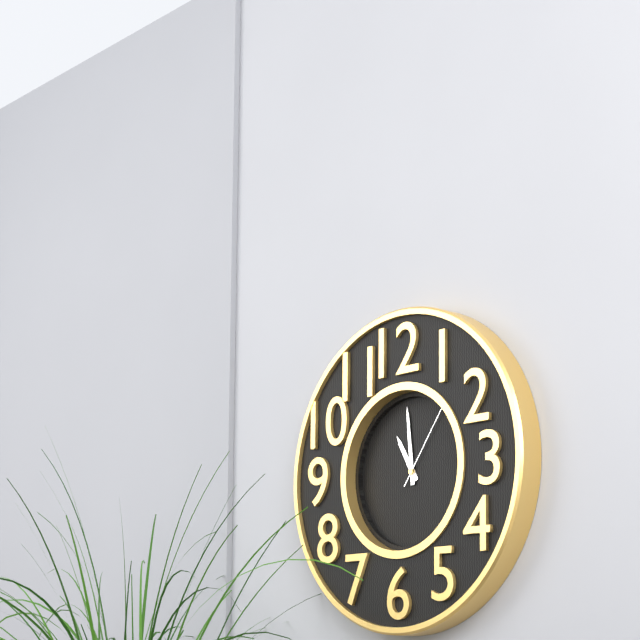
10:59:06
